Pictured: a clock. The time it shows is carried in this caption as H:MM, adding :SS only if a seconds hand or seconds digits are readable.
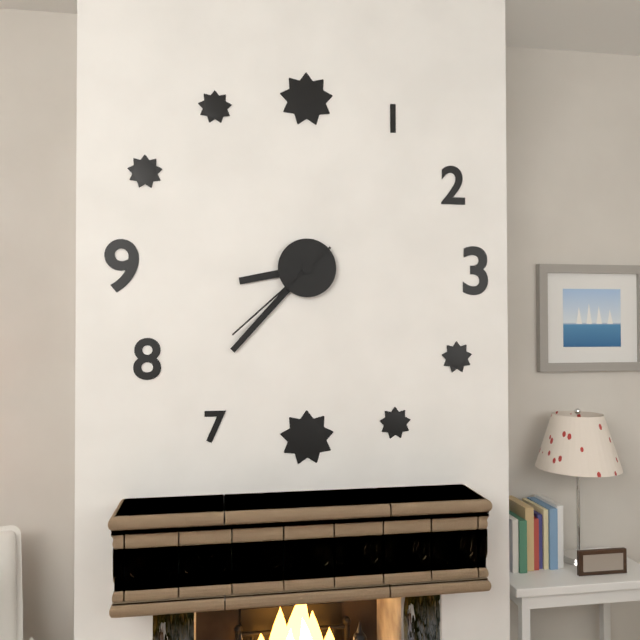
8:37:38
